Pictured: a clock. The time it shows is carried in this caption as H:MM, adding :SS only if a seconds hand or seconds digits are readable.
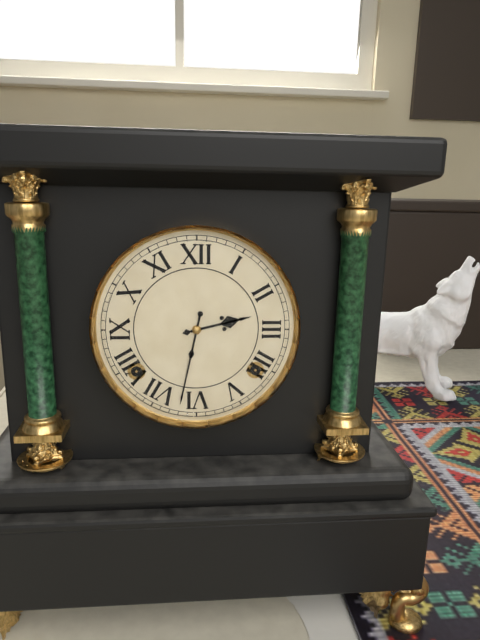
2:32
